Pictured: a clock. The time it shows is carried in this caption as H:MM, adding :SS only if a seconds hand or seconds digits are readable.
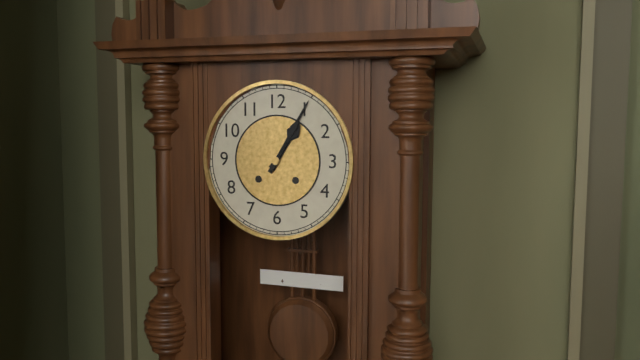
1:05
